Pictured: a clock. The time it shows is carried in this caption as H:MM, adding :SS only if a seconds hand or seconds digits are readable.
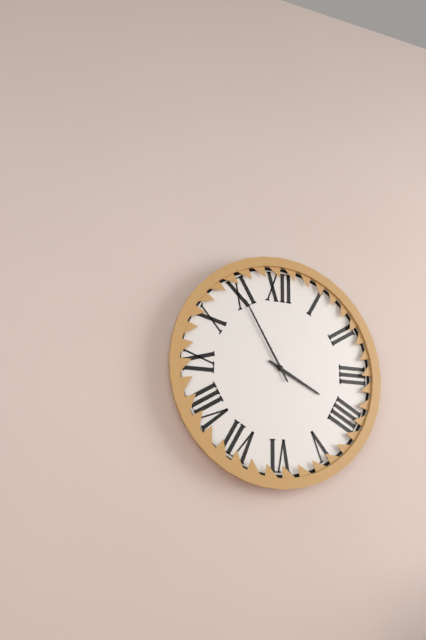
3:55
